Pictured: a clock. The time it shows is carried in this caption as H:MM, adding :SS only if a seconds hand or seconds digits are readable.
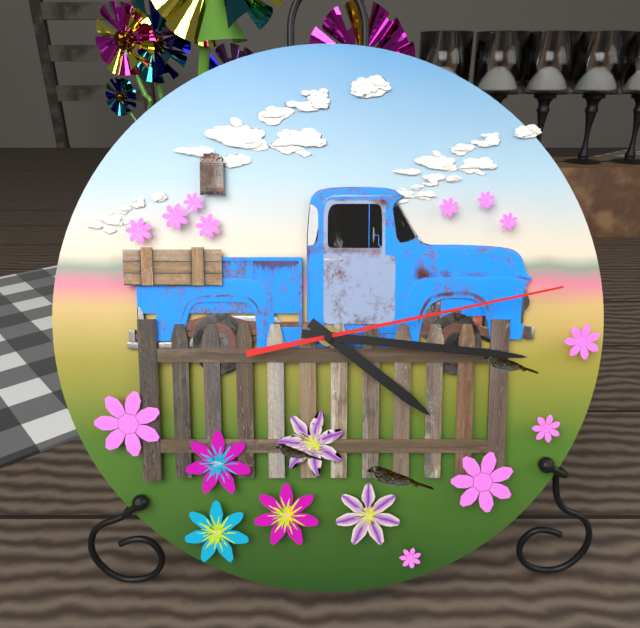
4:16:13
